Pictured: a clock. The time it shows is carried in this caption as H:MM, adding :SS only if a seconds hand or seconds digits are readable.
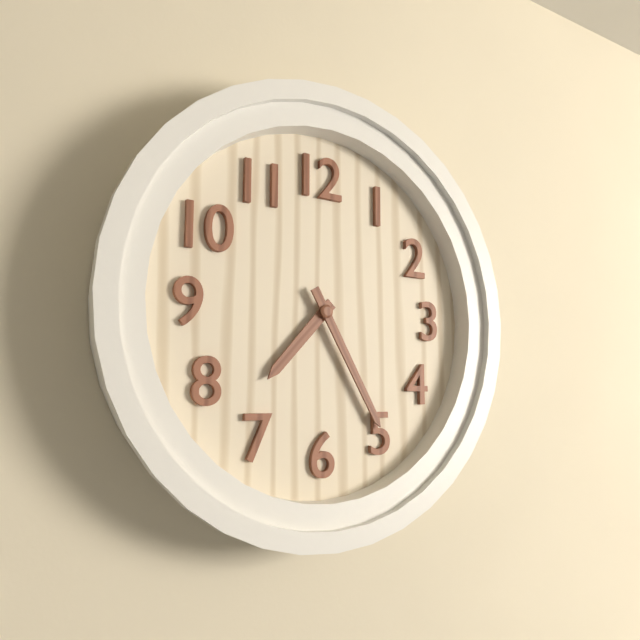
7:25
